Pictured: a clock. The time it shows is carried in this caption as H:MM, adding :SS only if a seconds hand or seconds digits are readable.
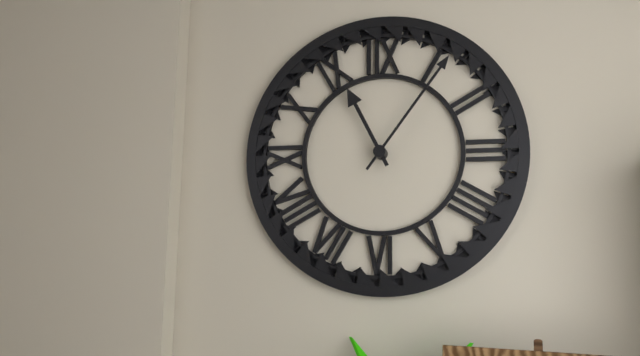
11:06
